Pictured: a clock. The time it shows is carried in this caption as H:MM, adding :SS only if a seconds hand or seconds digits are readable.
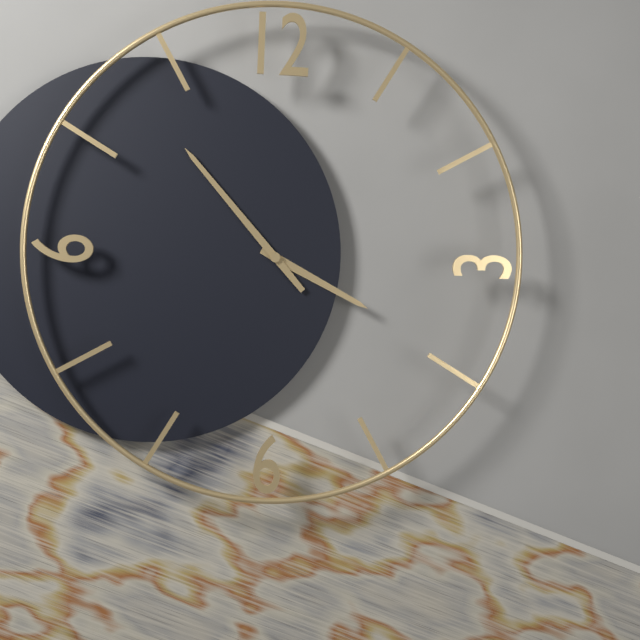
3:53
